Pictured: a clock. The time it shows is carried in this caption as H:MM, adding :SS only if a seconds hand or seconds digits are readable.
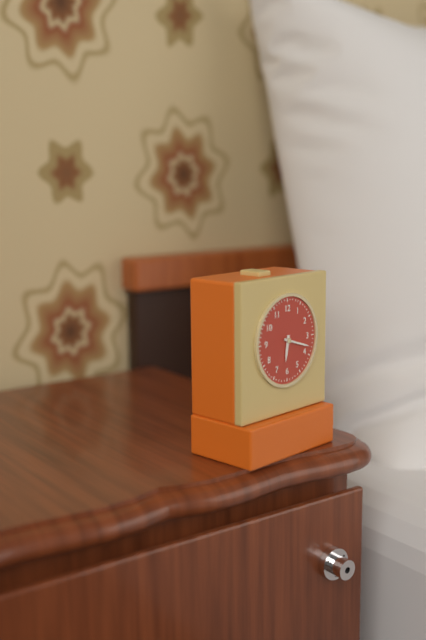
6:18
